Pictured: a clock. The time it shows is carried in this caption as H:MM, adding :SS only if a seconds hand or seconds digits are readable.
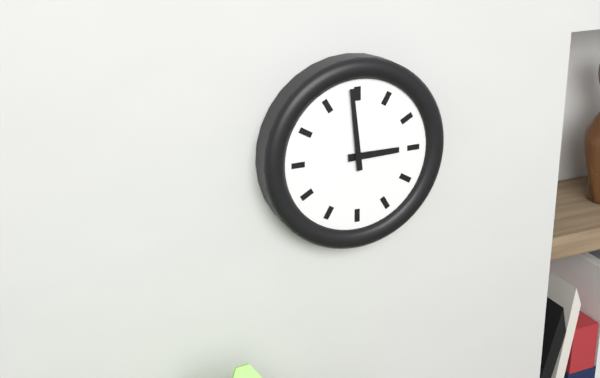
2:59
